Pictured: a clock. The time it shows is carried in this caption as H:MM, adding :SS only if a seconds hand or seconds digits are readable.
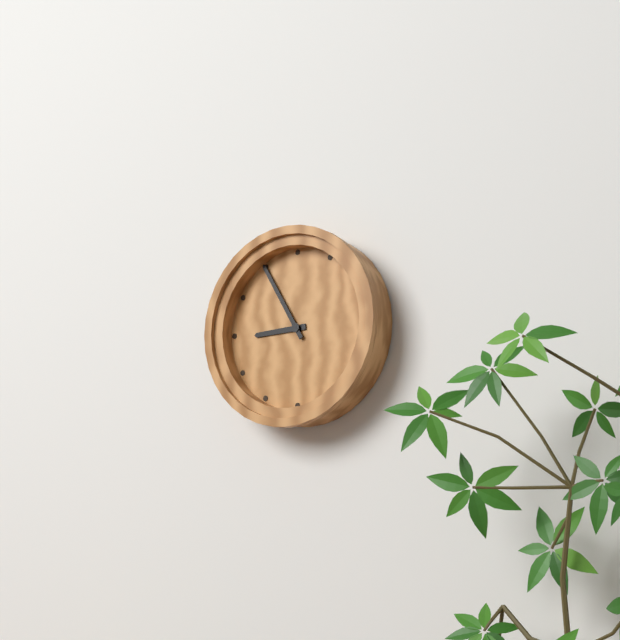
8:55
